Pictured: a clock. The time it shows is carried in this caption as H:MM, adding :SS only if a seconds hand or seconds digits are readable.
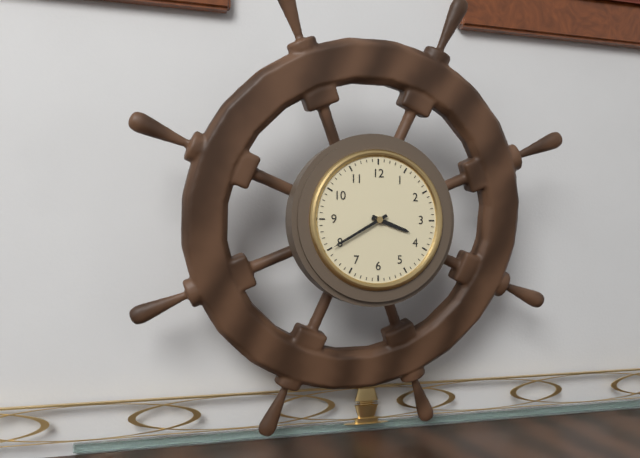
3:40
